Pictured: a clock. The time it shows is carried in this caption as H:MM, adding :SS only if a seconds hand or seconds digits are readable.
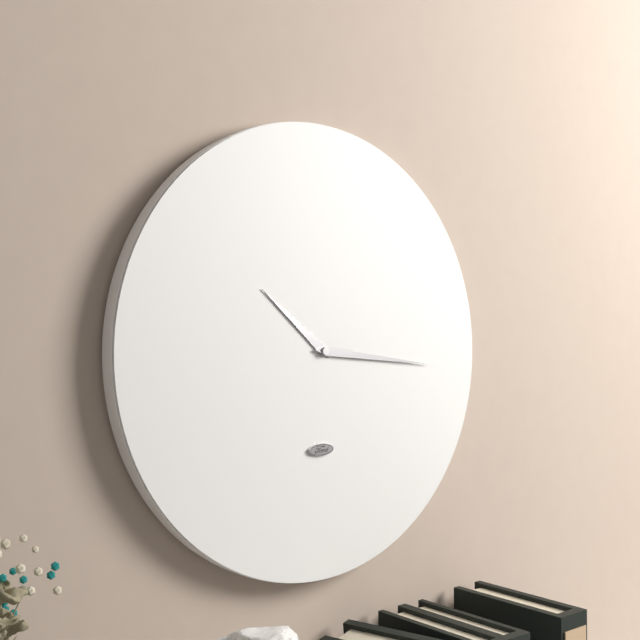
10:16
